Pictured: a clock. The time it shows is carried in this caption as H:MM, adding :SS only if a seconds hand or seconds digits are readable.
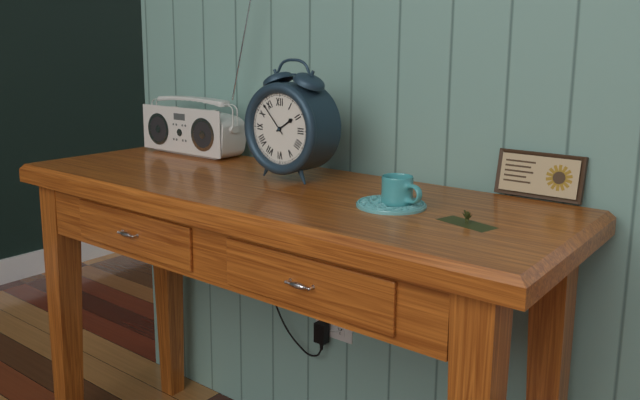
1:53
